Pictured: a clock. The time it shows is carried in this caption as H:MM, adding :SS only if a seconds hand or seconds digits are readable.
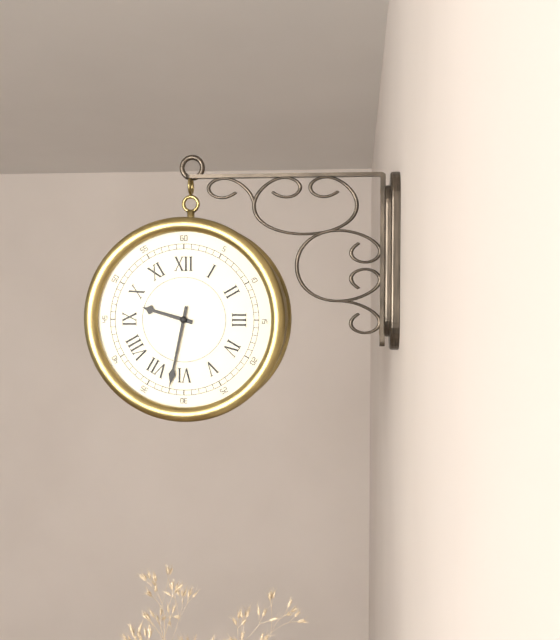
9:32
